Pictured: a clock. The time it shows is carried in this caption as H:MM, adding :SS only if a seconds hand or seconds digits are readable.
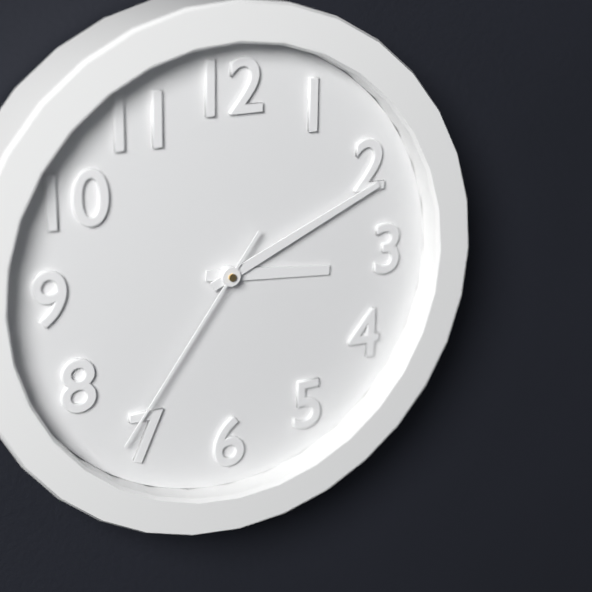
3:11:36
